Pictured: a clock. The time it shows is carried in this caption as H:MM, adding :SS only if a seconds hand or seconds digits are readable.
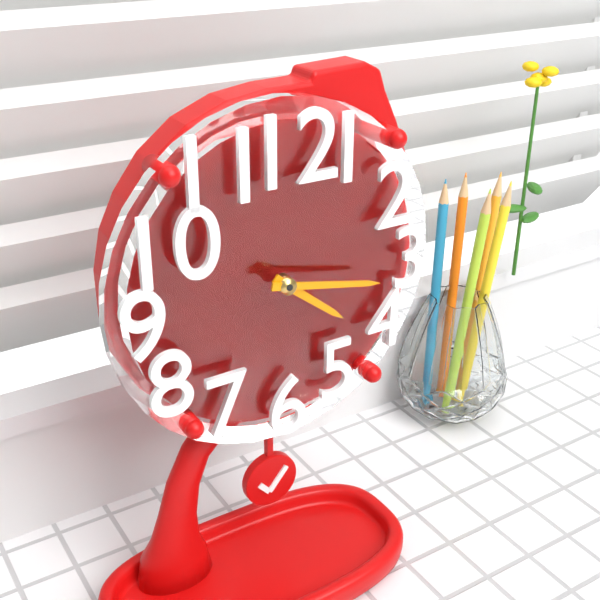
4:17
